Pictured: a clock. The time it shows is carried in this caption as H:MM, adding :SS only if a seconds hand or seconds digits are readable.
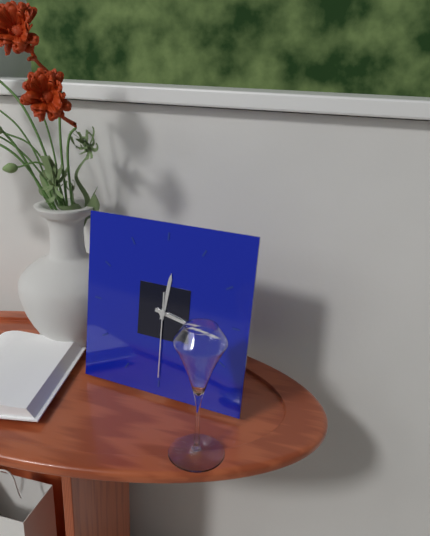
12:17:30
